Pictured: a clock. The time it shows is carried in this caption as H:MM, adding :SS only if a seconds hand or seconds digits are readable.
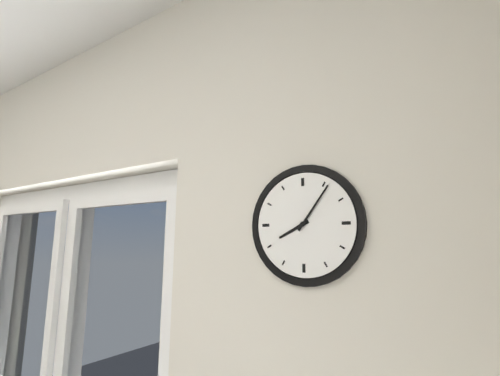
8:06
